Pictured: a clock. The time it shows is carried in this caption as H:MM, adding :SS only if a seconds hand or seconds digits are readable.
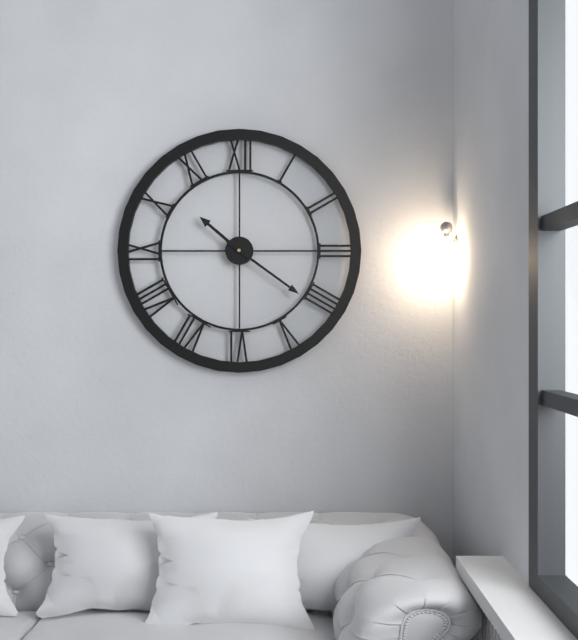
10:21
